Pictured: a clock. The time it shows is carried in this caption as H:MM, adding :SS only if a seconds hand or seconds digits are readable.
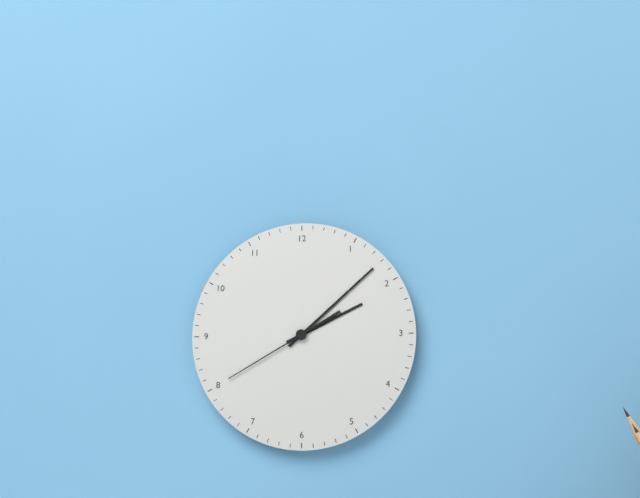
2:08:40
